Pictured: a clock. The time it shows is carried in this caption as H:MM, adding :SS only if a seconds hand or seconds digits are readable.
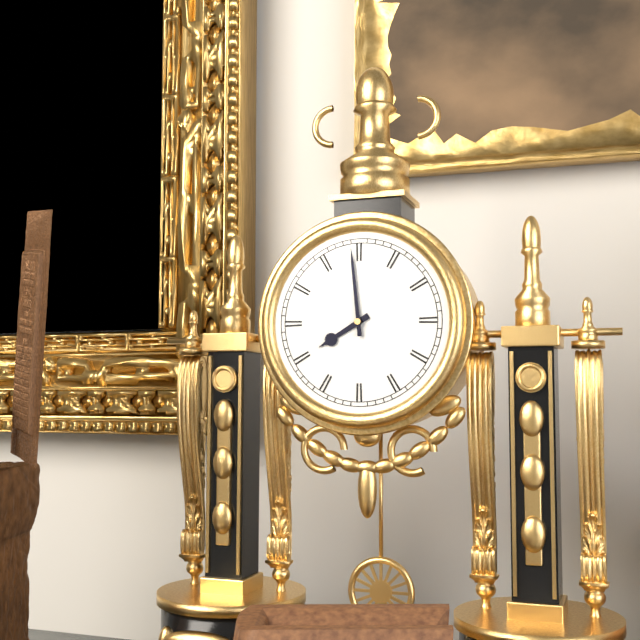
7:59
